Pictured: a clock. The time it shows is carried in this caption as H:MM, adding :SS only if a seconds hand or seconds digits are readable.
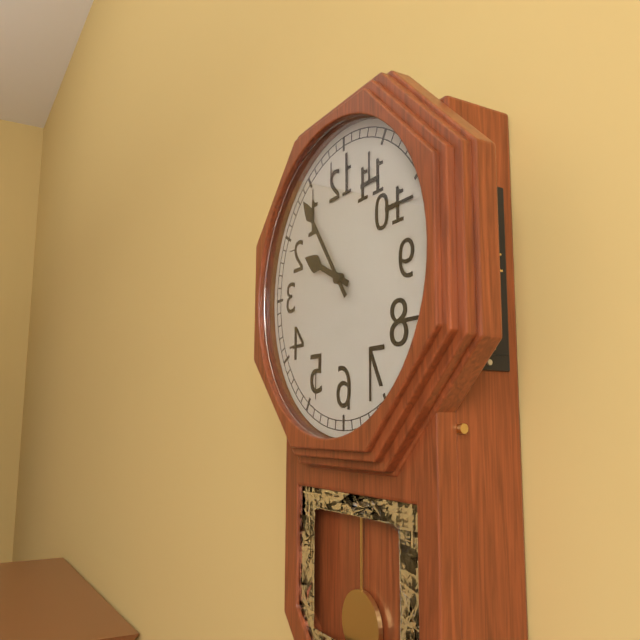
9:54
